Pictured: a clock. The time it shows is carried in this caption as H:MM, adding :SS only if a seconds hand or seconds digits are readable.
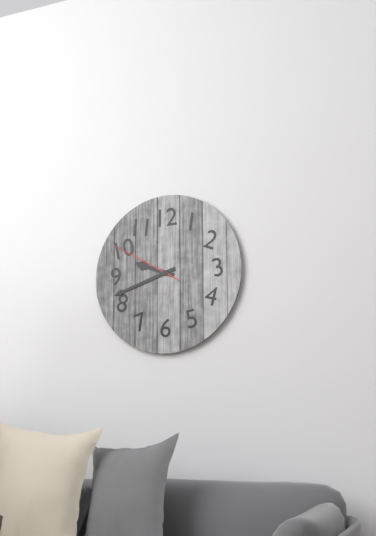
9:42:50
